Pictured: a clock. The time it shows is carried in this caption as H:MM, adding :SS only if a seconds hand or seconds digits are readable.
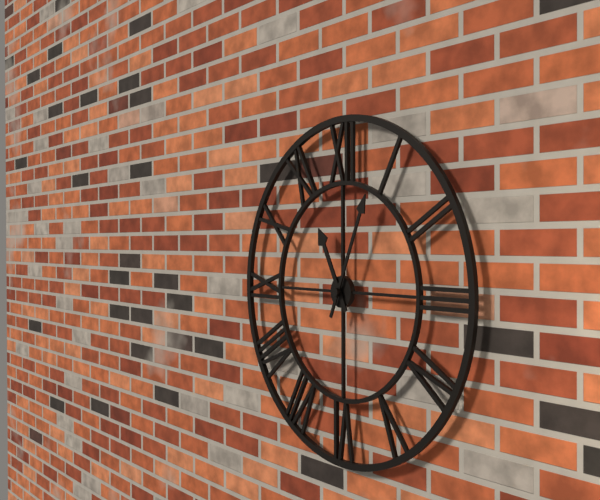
11:04
